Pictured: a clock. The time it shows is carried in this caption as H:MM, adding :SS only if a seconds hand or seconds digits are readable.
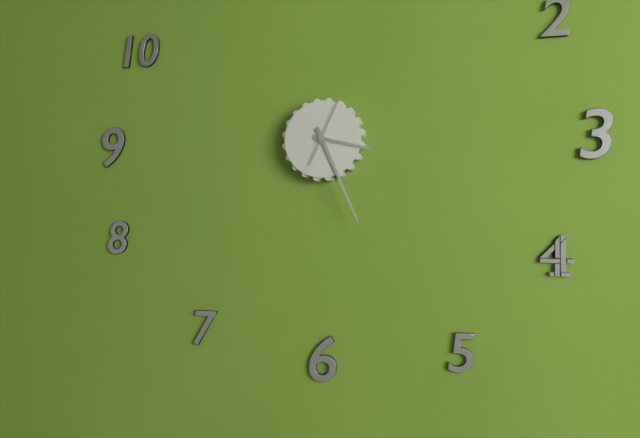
3:26:04
